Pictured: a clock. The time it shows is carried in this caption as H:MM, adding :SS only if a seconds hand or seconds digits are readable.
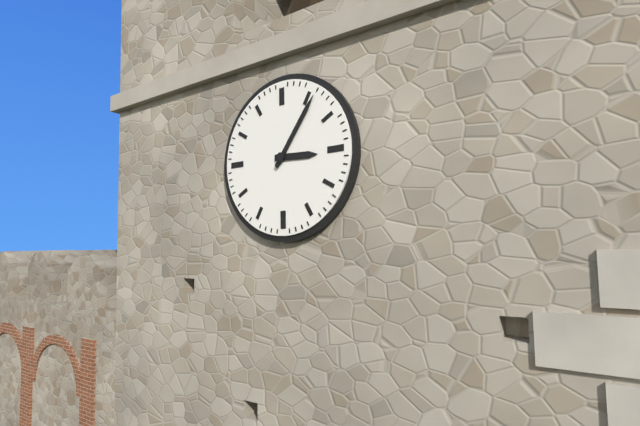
3:06
